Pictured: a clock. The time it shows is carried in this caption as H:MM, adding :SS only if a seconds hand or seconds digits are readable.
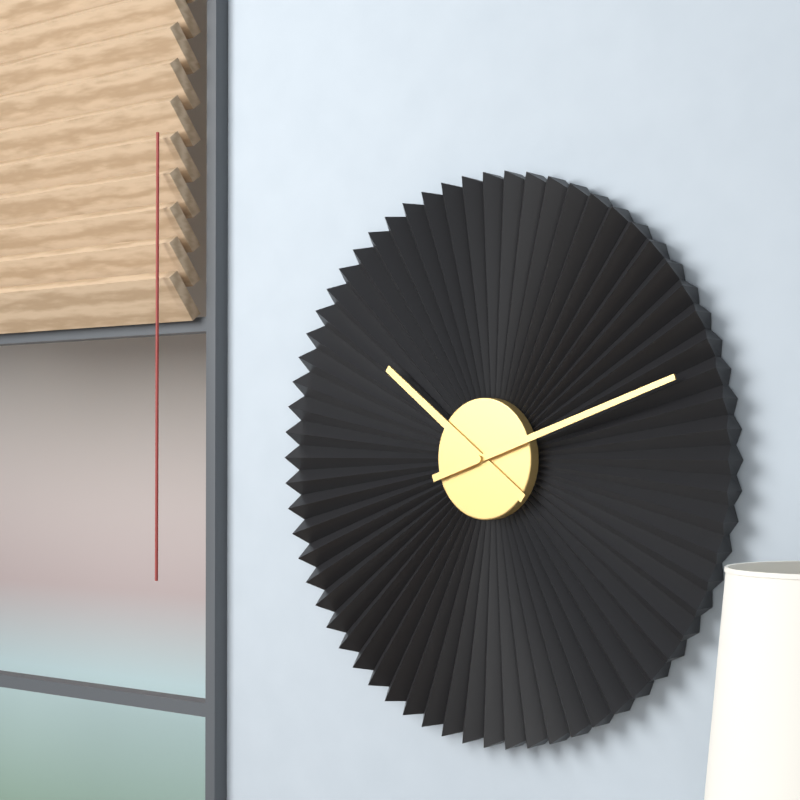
10:12
